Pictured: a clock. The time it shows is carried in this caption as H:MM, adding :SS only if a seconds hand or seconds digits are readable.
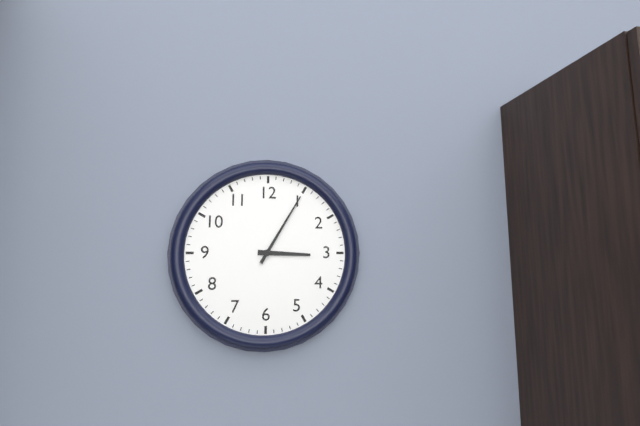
3:05
